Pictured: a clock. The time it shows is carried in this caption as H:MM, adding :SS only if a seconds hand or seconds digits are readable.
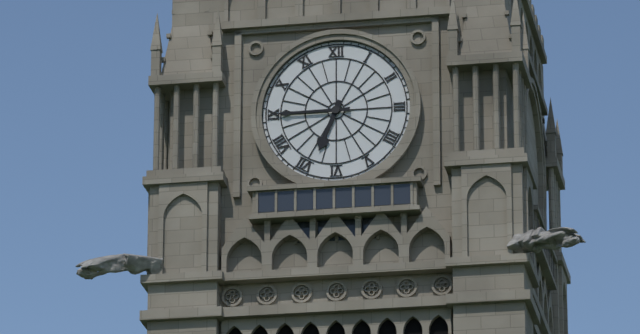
6:45
